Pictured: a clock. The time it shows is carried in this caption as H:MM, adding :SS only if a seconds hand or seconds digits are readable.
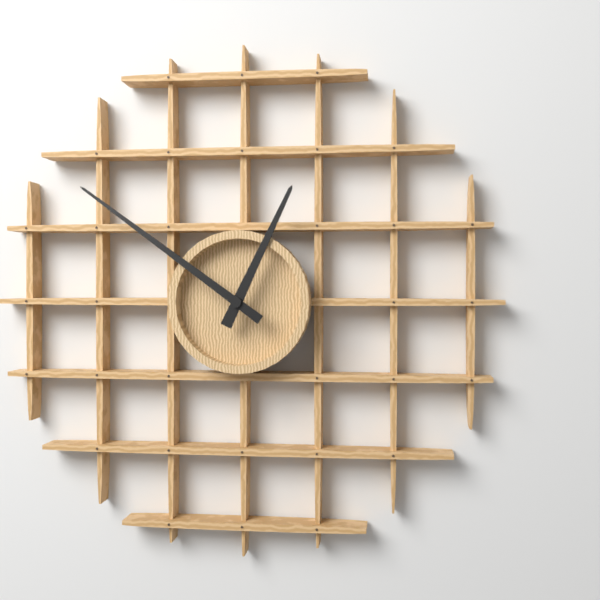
12:51
